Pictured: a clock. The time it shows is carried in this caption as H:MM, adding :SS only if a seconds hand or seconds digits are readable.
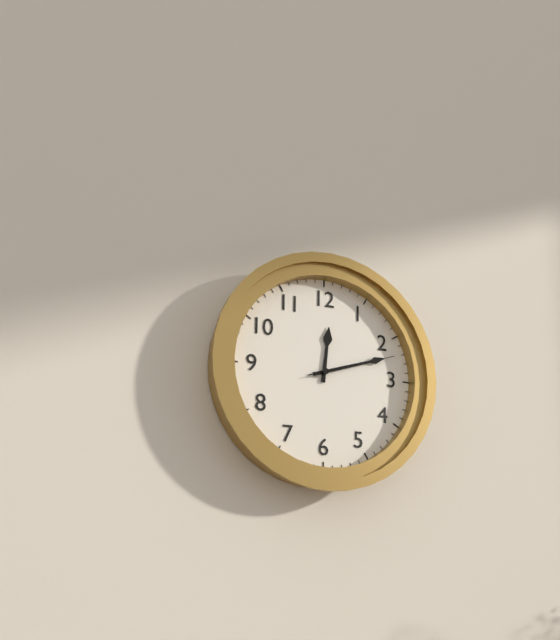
12:12:12
